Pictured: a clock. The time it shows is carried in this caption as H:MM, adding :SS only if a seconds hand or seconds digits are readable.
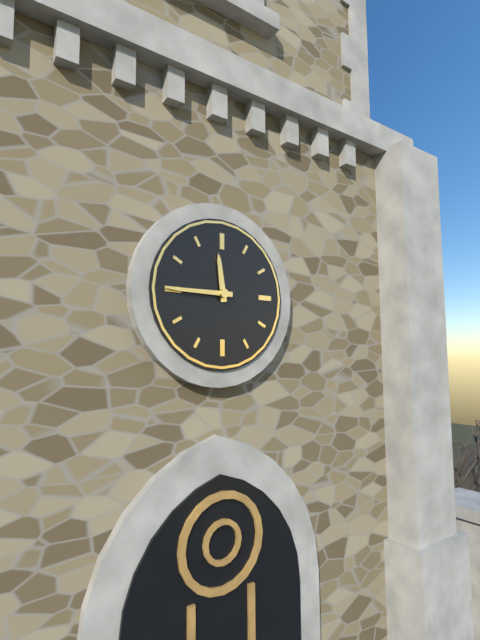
11:45
